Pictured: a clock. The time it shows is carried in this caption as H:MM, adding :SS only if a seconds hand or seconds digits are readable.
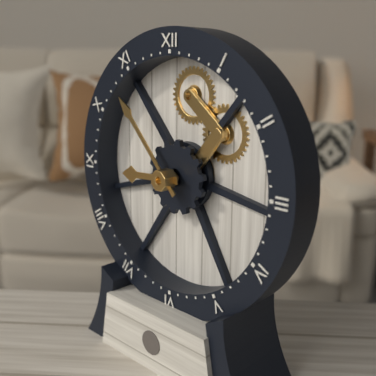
8:53
